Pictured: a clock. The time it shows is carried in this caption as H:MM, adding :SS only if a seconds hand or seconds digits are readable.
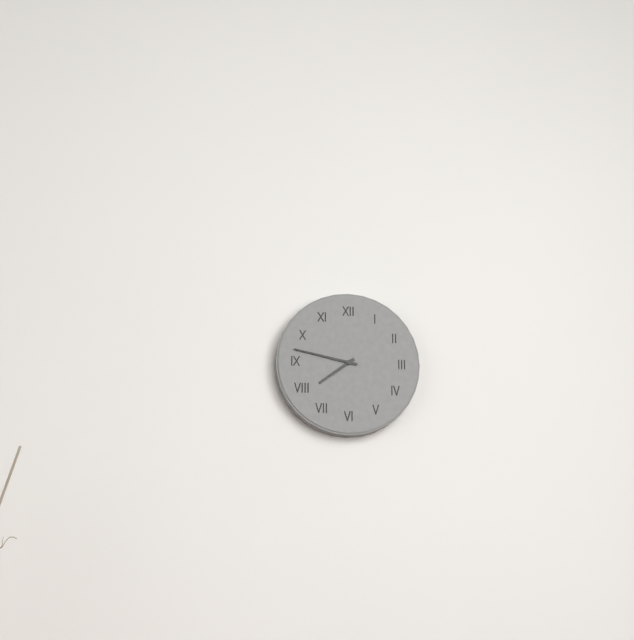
7:47
